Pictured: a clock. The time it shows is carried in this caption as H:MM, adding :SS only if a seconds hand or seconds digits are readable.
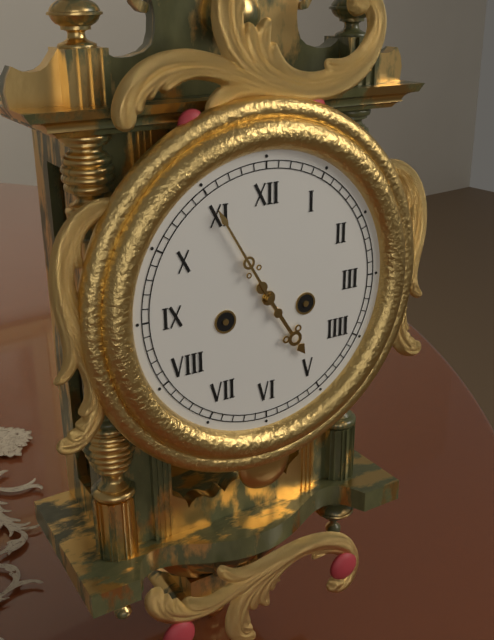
4:55
